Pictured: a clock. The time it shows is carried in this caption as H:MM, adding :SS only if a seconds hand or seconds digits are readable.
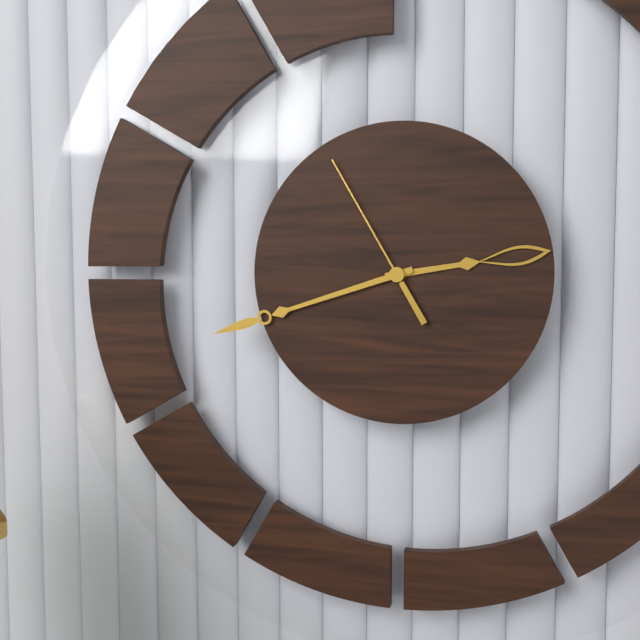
2:42:55
